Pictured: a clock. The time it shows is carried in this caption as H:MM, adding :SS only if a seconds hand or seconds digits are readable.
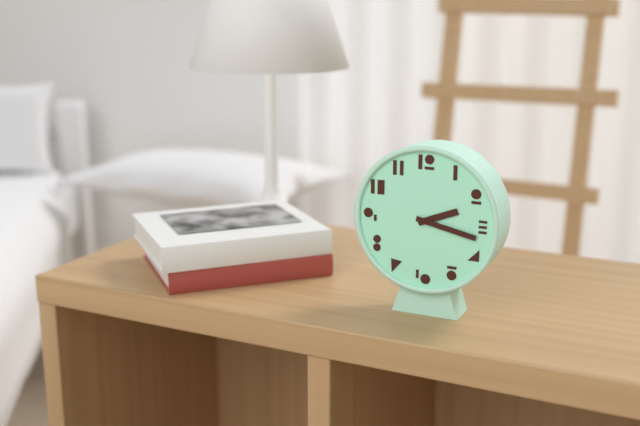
2:17
